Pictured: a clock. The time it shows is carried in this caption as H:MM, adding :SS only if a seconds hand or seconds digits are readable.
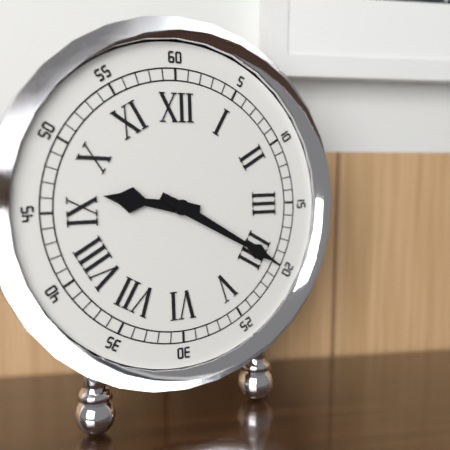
9:20
